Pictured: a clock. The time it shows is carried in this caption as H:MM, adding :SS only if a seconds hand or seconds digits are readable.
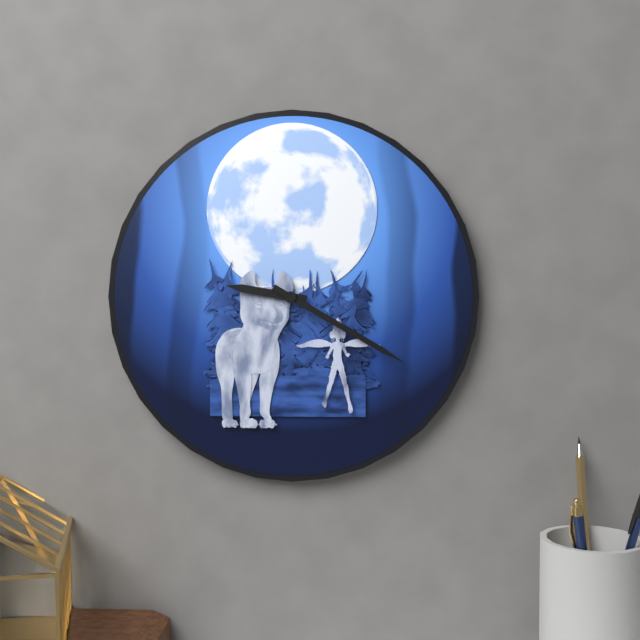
9:20
